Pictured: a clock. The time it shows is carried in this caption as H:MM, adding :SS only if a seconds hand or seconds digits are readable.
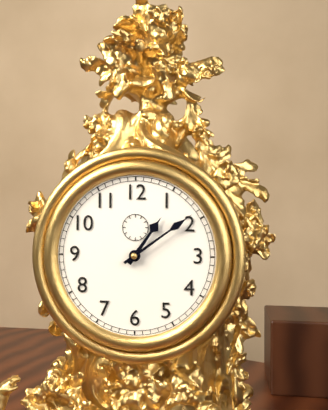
1:09
